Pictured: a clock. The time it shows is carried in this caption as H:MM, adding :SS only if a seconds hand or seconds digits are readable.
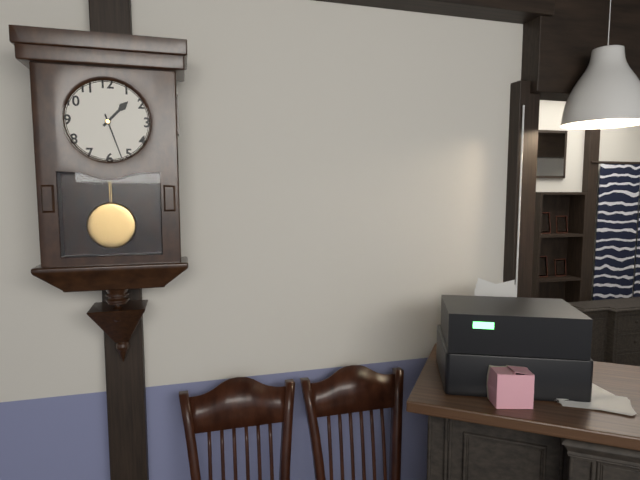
1:27
